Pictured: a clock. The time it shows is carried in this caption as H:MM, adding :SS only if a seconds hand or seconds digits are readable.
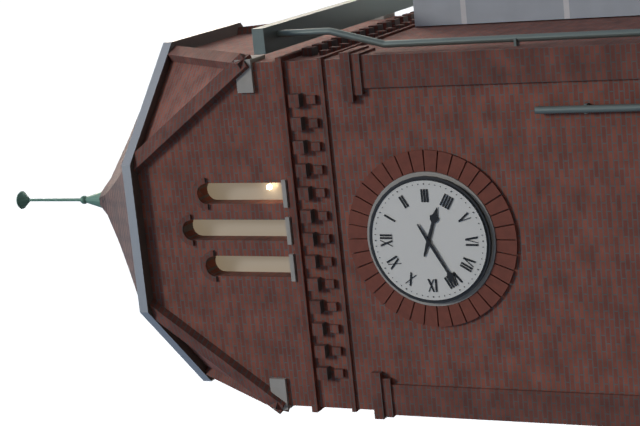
3:40
